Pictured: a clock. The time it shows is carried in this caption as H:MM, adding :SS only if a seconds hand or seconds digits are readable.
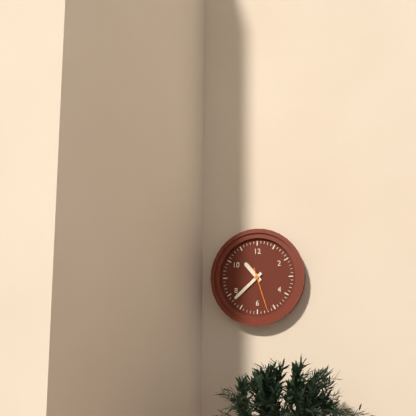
10:38
